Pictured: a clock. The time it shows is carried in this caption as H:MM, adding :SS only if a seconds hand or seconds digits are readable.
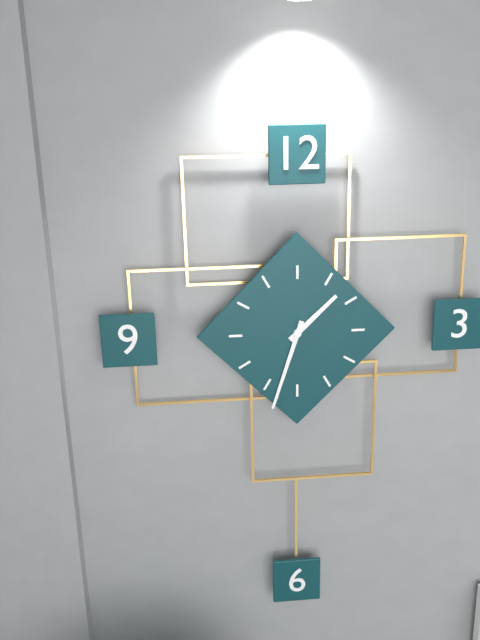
1:33
